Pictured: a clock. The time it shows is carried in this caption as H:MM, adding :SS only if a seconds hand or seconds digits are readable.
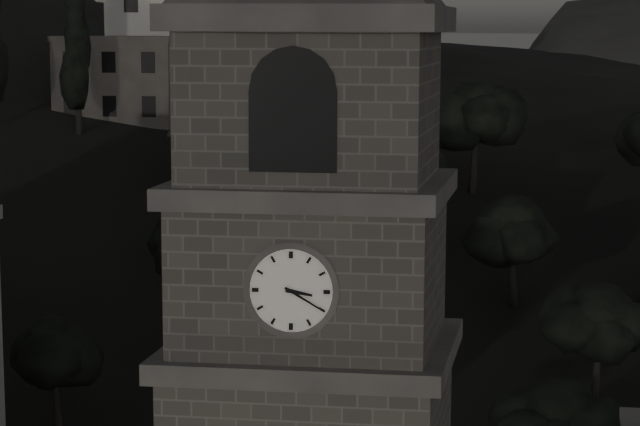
3:20
